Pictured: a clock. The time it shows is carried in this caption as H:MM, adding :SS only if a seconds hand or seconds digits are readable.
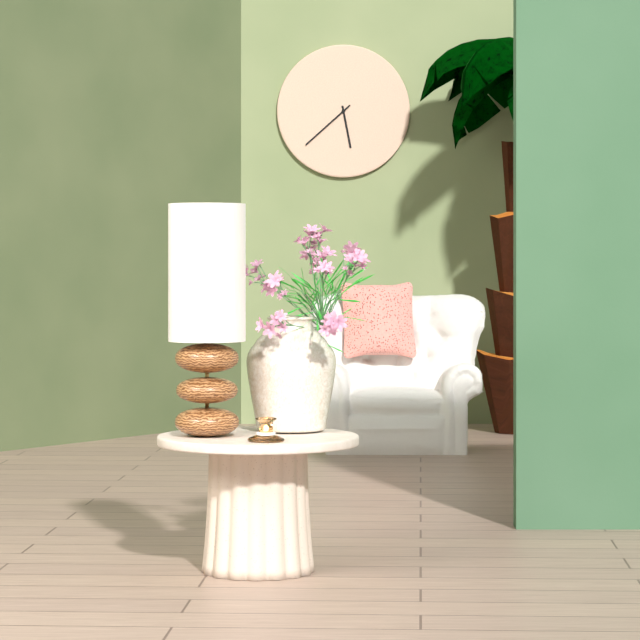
5:38
